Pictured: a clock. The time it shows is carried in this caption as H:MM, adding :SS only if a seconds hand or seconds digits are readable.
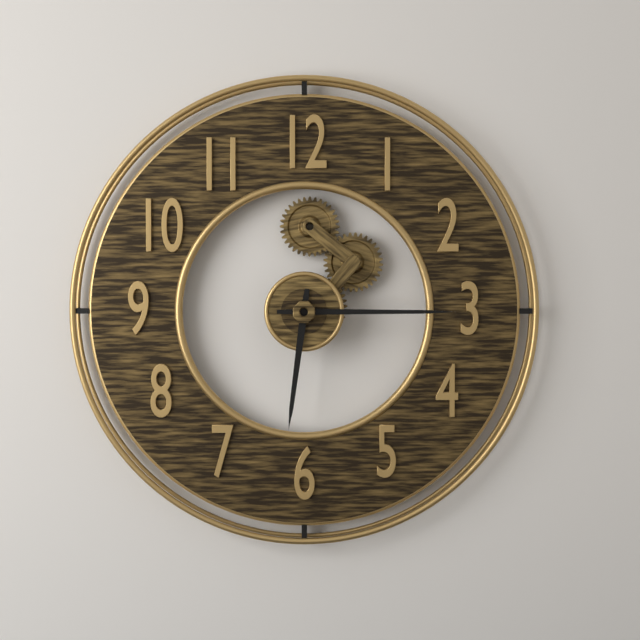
6:15
